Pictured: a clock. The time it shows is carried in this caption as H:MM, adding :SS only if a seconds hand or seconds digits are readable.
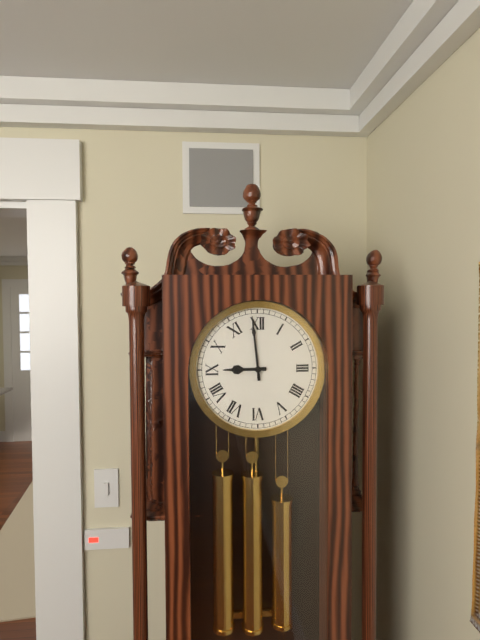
8:59
